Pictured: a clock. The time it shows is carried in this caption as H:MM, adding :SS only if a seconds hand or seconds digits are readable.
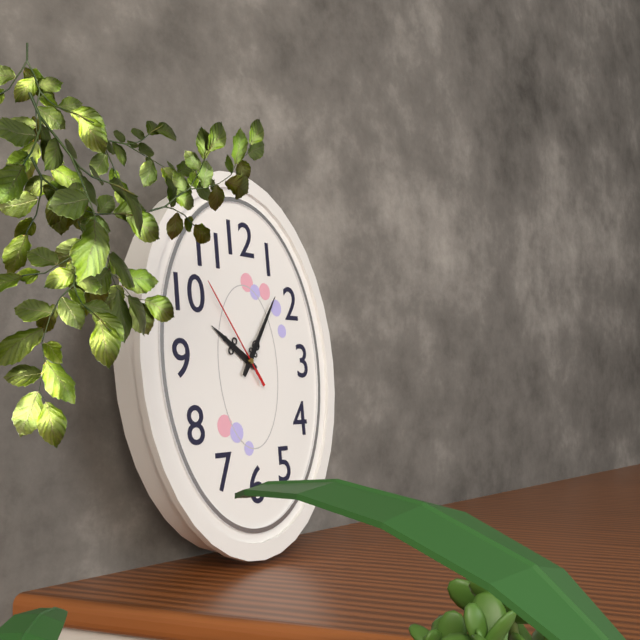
10:06:54
